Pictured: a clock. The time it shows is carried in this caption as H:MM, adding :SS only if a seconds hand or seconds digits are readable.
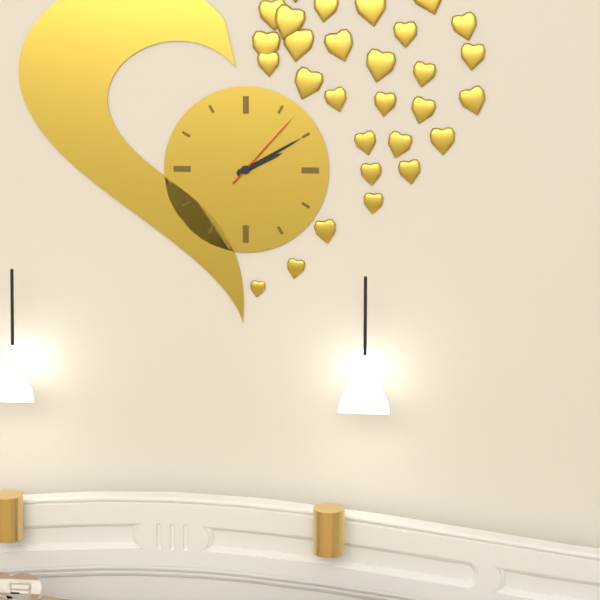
2:10:07
